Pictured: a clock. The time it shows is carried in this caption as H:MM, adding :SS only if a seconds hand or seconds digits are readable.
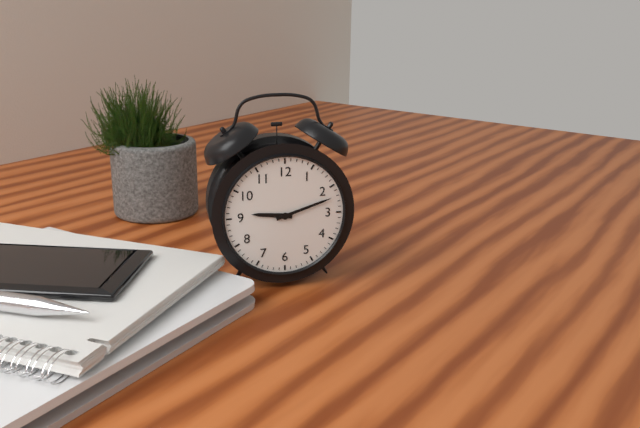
9:12
